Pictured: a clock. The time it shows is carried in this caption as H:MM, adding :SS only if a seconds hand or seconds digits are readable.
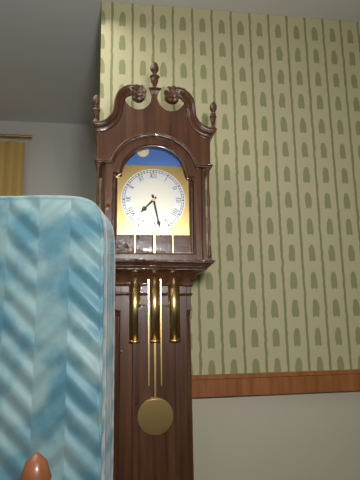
7:28
